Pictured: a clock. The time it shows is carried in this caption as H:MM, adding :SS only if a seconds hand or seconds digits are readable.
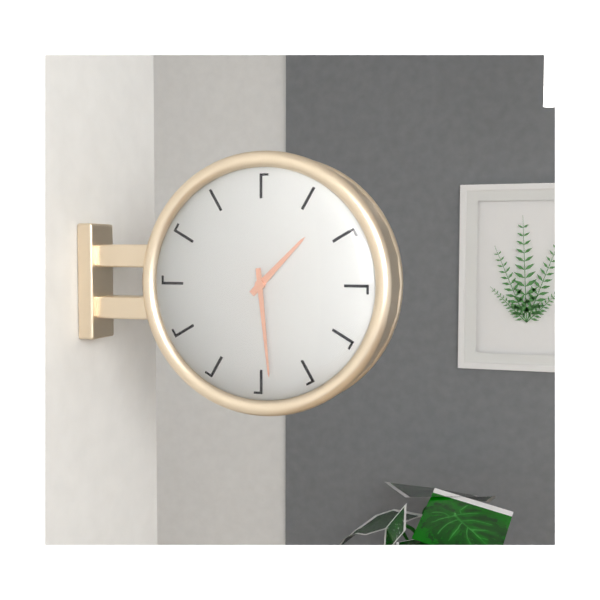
1:29
